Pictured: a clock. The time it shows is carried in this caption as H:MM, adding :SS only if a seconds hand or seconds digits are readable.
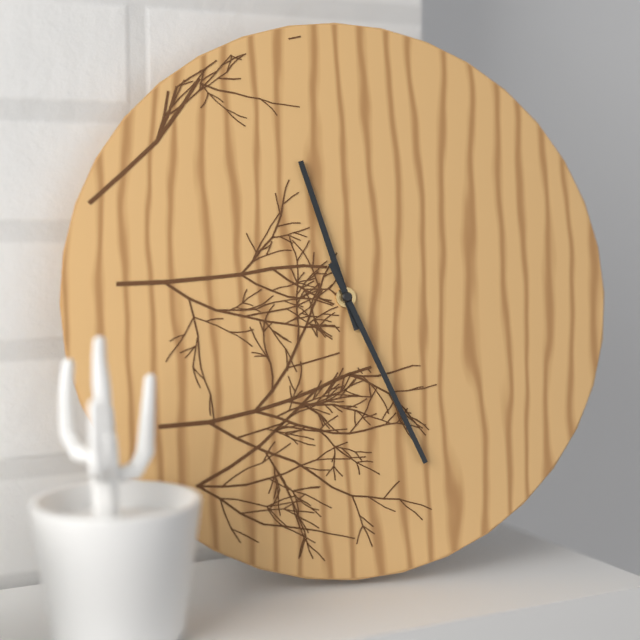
11:26
